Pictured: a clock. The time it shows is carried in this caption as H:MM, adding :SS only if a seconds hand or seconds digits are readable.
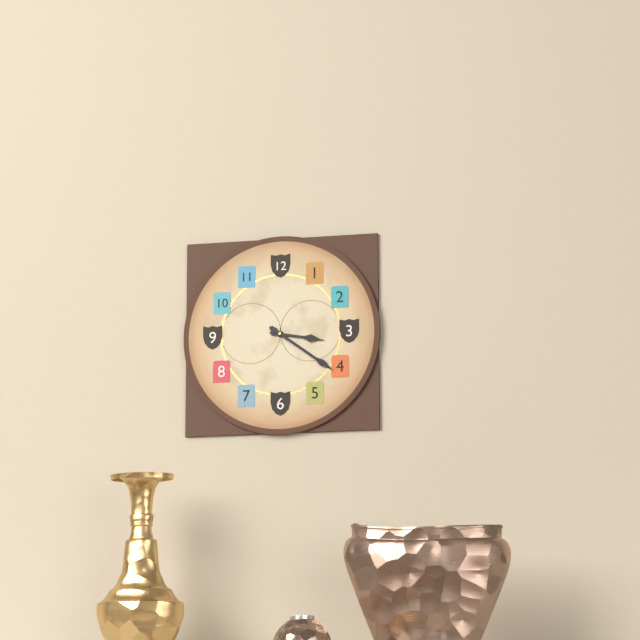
3:21
